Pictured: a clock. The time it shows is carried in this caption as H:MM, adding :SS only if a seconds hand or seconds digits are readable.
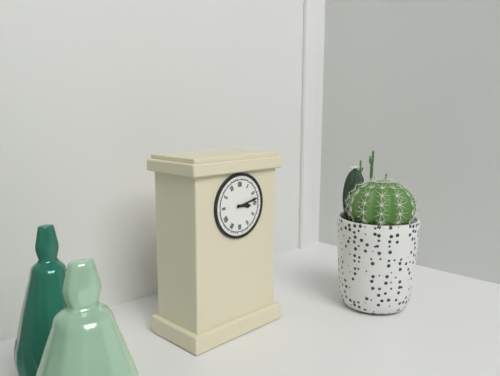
3:13
